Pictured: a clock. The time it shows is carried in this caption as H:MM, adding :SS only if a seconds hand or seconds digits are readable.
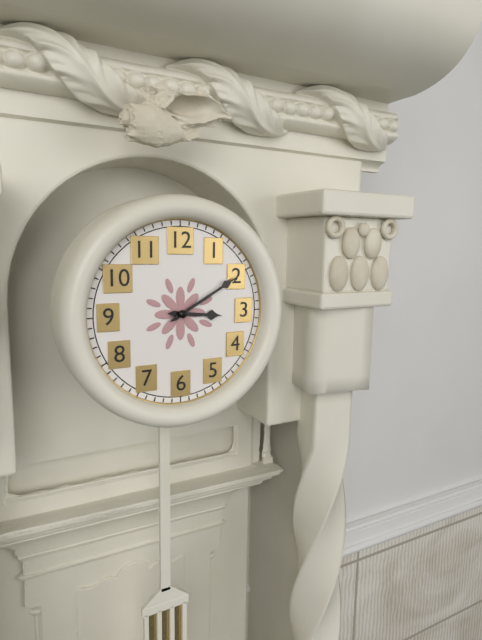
3:10
